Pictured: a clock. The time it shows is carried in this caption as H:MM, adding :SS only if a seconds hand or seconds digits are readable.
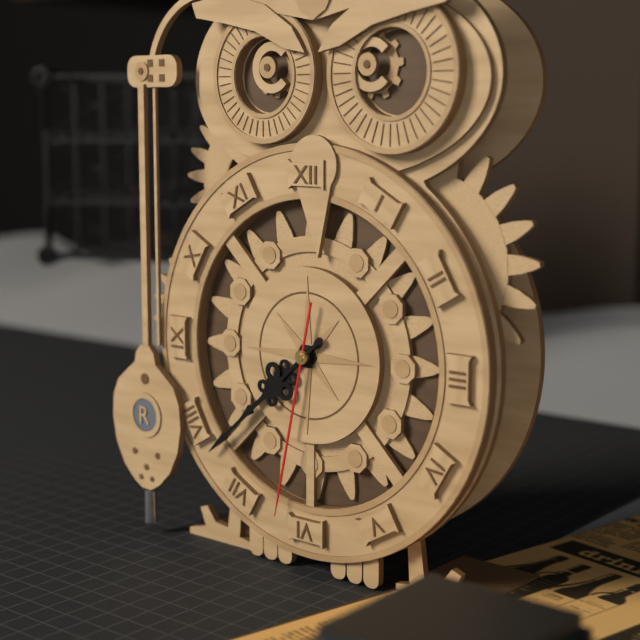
7:38:32
